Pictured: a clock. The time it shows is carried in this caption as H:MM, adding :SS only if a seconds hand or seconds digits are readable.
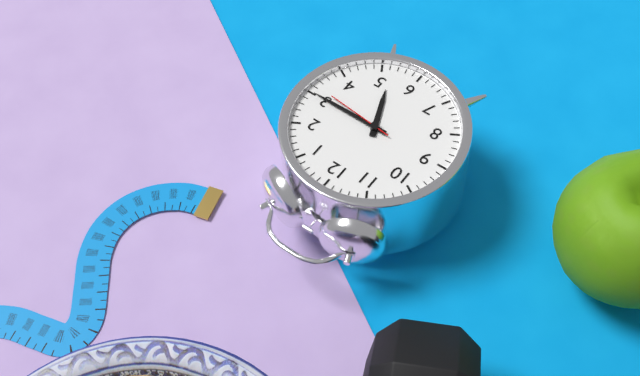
5:15:16
